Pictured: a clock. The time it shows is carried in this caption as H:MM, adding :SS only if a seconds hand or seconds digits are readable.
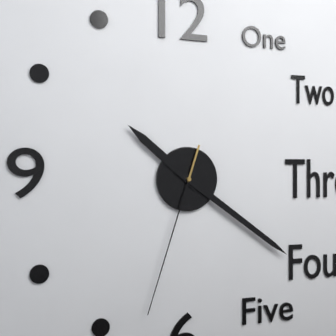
10:21:33
